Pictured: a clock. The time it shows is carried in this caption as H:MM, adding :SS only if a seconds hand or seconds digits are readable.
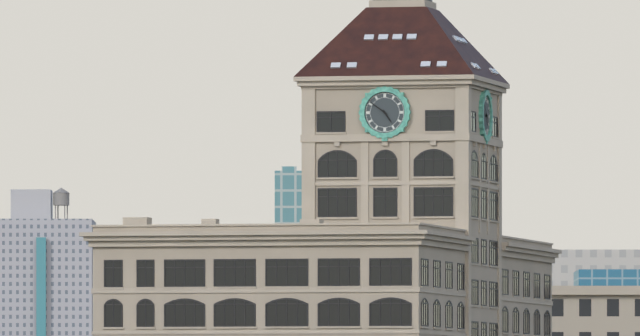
4:51
